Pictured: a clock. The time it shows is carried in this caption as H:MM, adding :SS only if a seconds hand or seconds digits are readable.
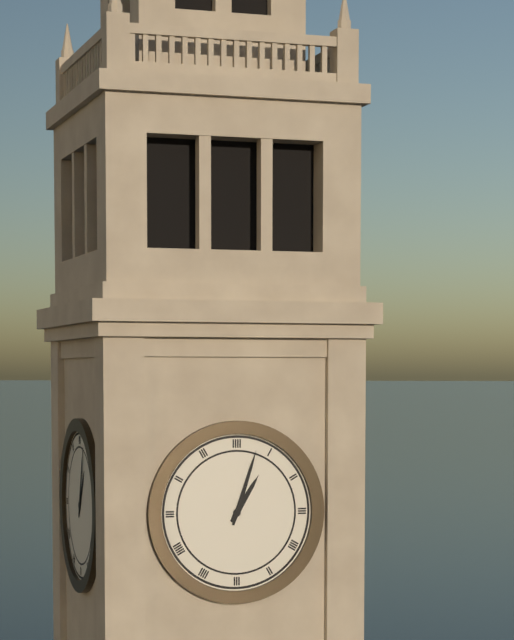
1:03
